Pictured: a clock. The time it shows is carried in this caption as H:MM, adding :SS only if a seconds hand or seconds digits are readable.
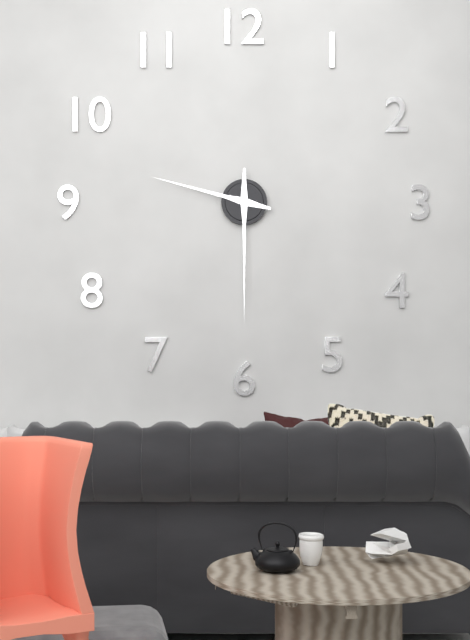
9:30
